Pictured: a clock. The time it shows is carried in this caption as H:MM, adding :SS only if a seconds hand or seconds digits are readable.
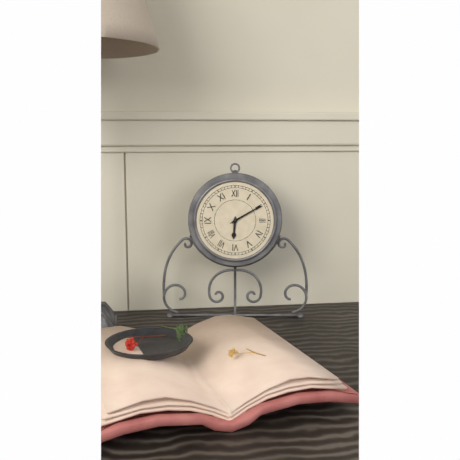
6:10
